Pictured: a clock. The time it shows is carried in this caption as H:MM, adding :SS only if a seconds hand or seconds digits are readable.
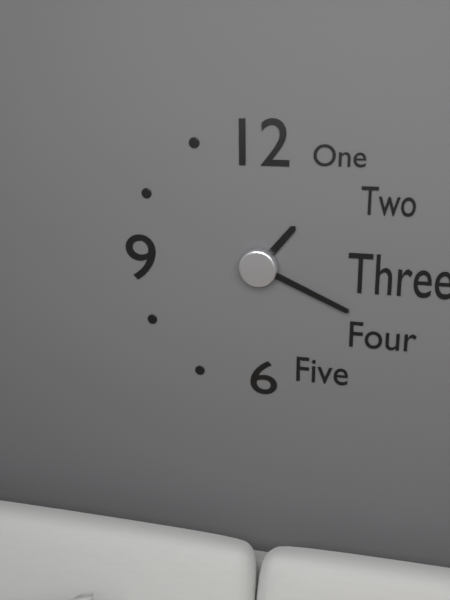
1:19
